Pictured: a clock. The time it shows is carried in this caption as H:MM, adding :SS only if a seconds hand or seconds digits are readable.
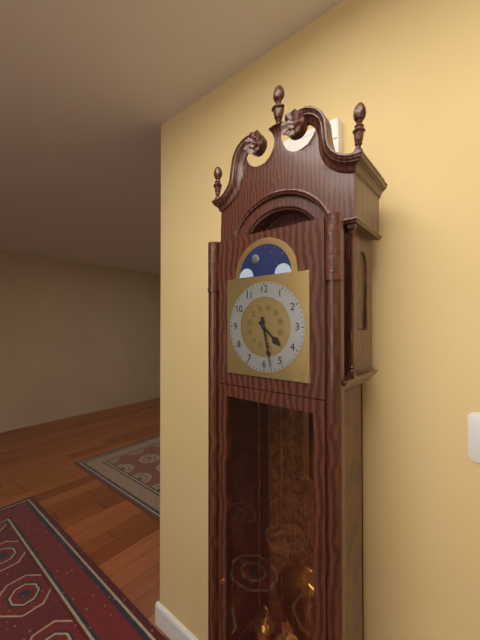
4:28
